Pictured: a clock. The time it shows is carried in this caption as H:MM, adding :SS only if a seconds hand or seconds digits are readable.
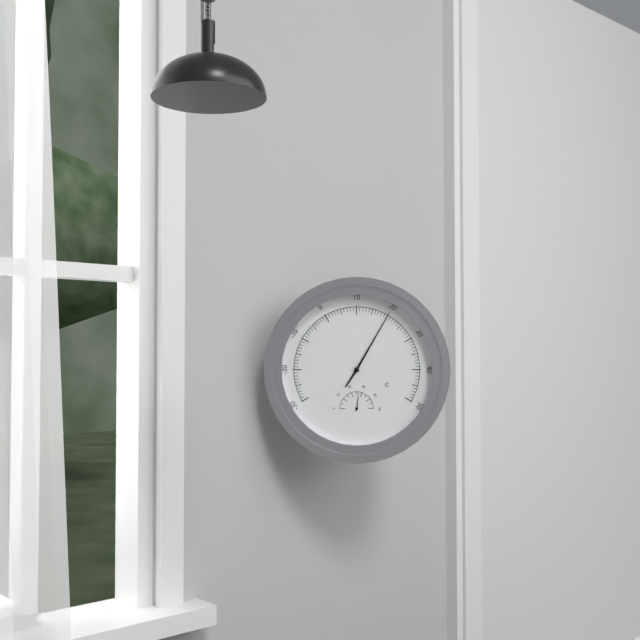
7:05
